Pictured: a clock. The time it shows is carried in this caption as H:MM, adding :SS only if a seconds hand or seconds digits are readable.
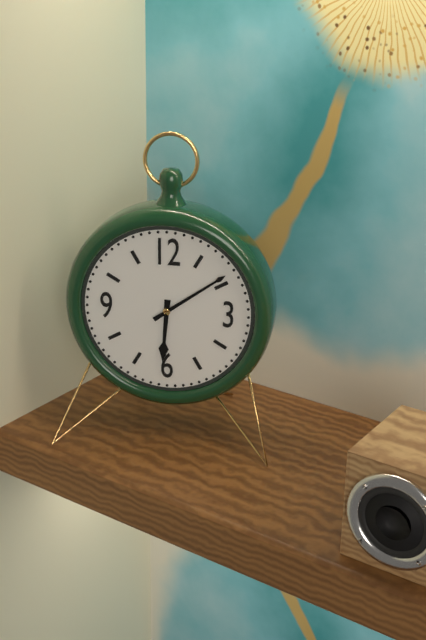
6:09
